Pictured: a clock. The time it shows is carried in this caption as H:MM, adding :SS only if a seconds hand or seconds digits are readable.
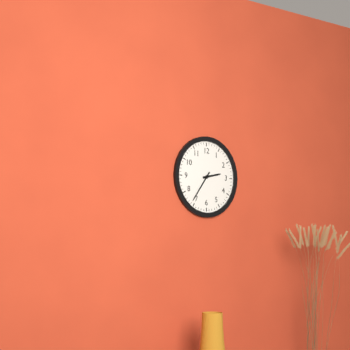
2:36
